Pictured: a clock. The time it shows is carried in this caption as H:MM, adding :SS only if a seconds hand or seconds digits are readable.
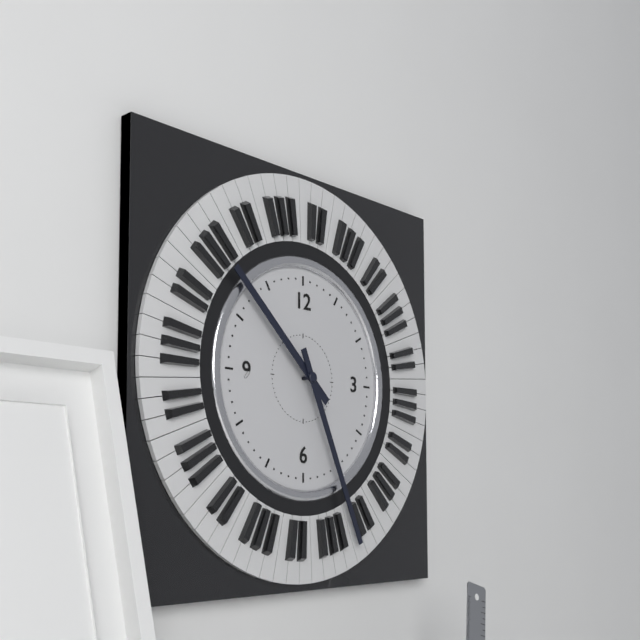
10:26
